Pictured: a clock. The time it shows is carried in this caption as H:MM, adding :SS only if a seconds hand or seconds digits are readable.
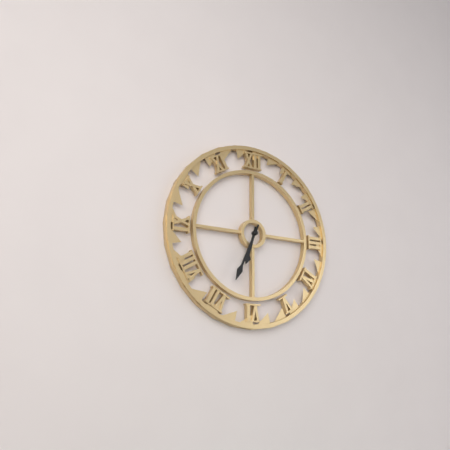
6:34
